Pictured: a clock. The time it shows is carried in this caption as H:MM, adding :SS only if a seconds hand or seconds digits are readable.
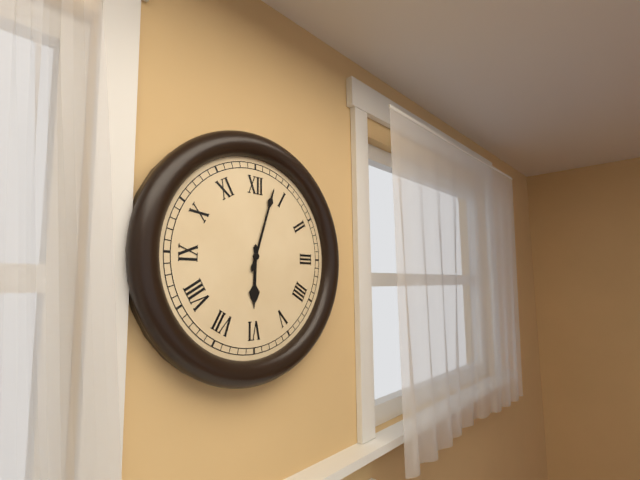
6:03
